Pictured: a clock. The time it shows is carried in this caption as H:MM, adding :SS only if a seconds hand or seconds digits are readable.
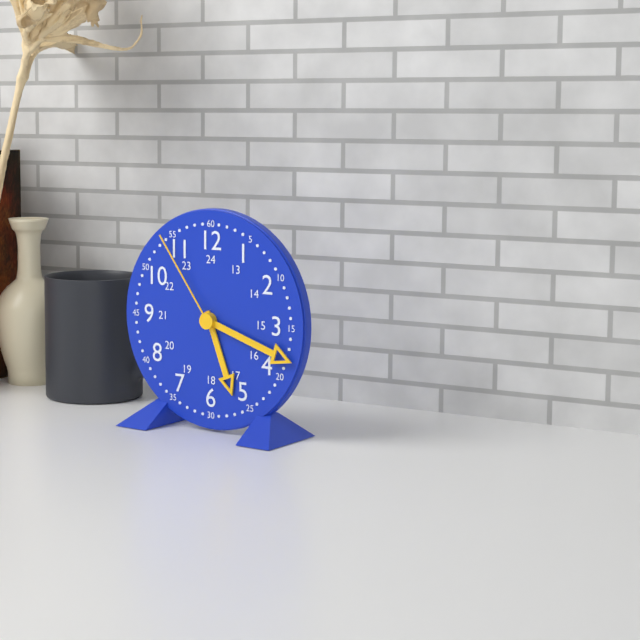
5:18:54
